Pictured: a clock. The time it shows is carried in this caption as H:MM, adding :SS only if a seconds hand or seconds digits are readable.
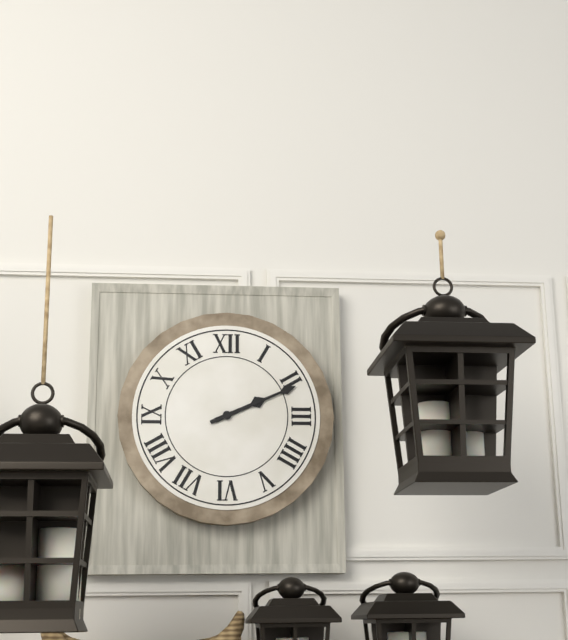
2:11
